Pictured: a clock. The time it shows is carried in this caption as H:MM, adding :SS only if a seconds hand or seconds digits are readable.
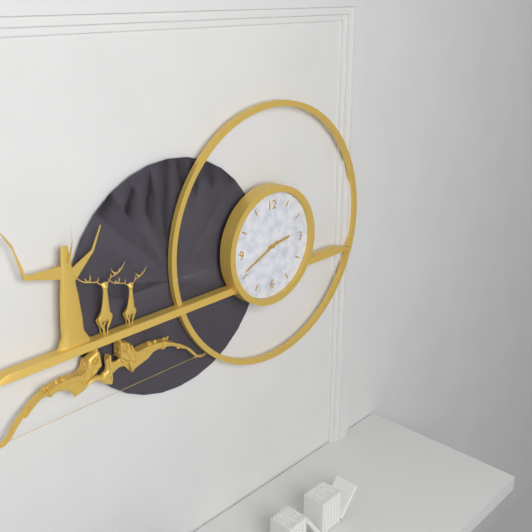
2:41
